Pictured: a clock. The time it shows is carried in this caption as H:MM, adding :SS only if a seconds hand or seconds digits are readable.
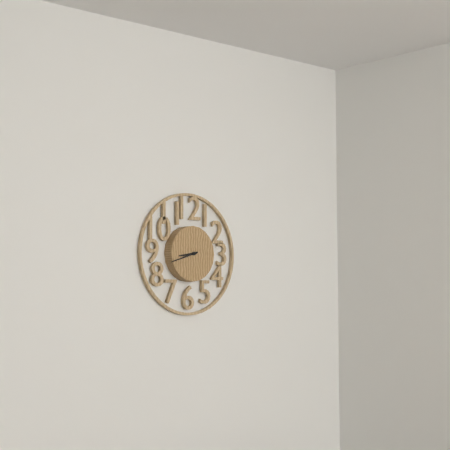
8:42
